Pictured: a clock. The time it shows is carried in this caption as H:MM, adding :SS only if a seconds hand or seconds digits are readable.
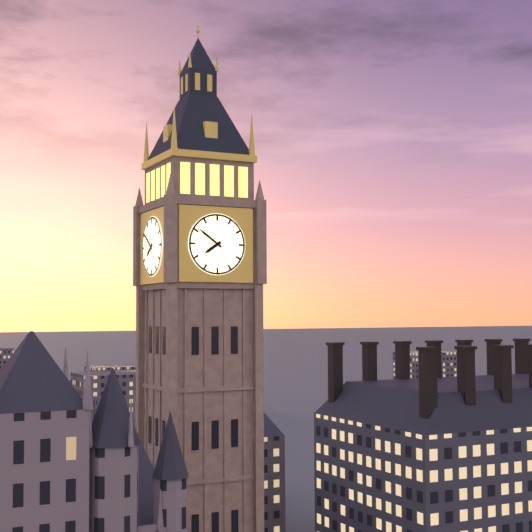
7:51
